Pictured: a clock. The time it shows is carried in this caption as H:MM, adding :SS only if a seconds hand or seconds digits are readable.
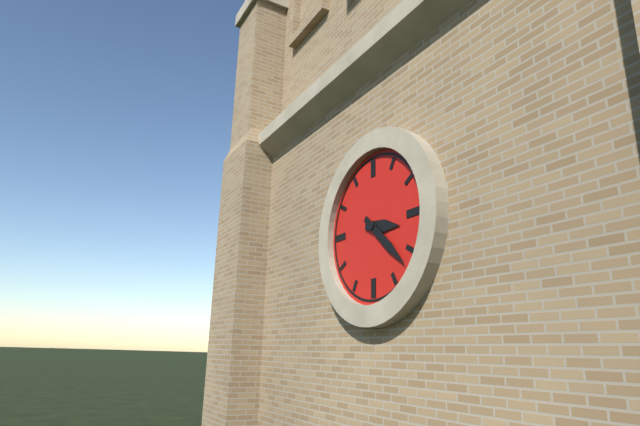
3:22
